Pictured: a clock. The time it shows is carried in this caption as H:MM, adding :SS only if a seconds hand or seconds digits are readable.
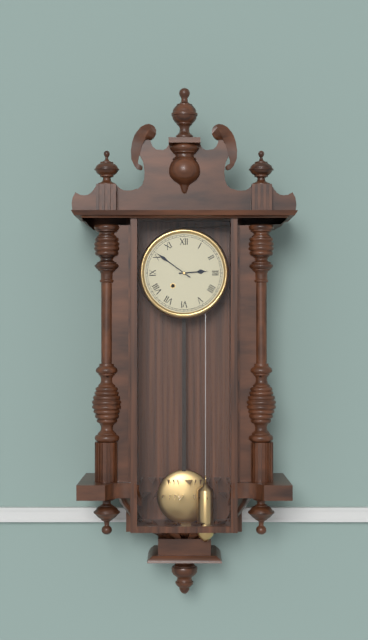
2:51
